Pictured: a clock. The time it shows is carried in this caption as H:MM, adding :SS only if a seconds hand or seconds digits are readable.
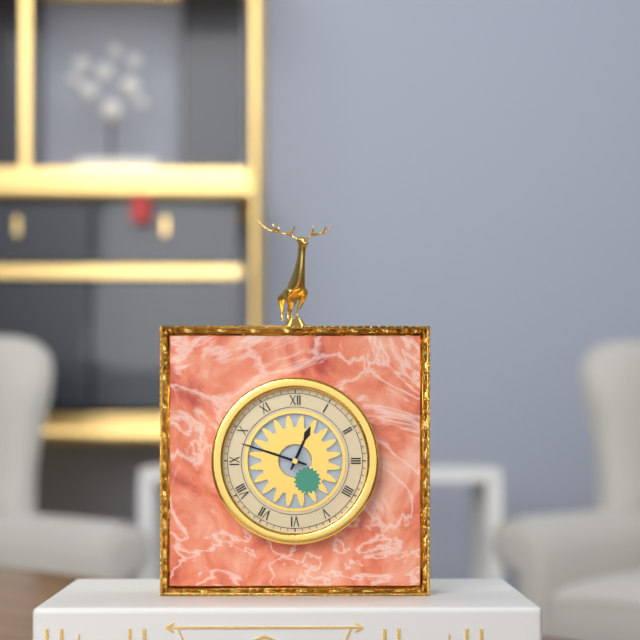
12:48
